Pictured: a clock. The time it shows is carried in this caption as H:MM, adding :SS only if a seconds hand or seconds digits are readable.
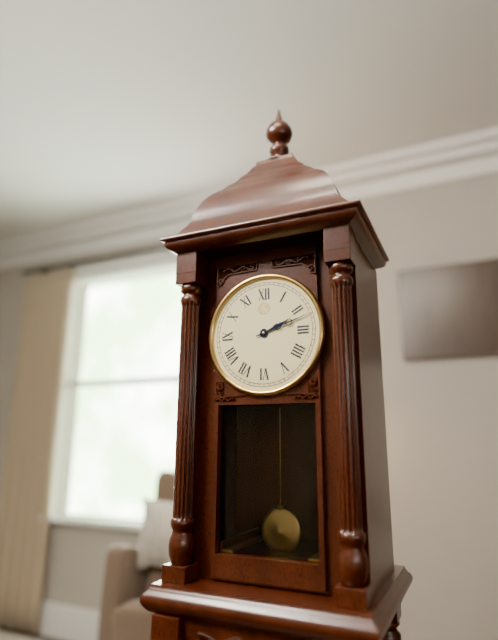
2:12
